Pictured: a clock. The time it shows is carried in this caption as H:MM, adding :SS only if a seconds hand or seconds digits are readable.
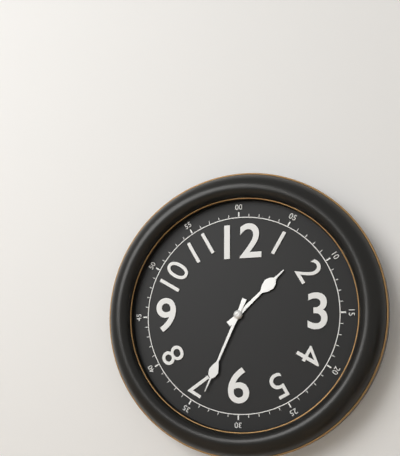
1:34
